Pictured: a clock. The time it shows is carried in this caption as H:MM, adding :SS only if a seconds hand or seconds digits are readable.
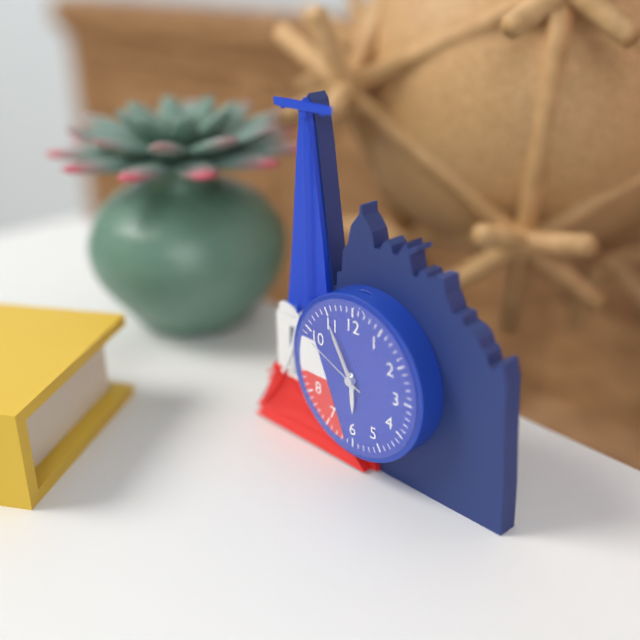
5:55:49
